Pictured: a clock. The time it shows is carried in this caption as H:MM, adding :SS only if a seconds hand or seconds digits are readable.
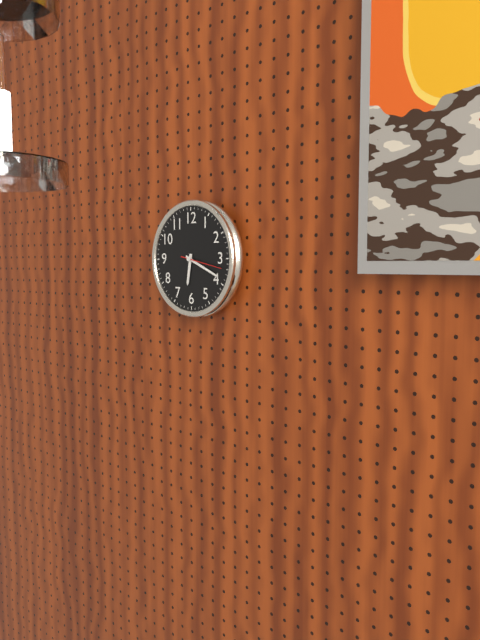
6:19
